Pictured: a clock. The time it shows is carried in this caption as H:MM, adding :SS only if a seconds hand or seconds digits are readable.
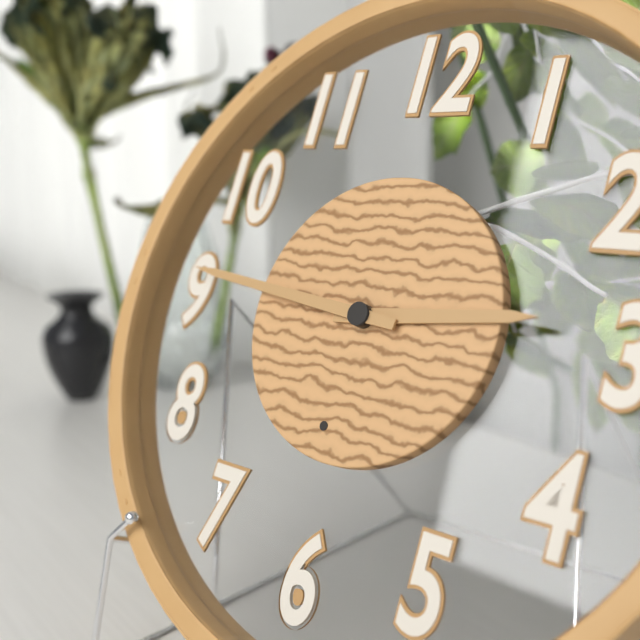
2:46
